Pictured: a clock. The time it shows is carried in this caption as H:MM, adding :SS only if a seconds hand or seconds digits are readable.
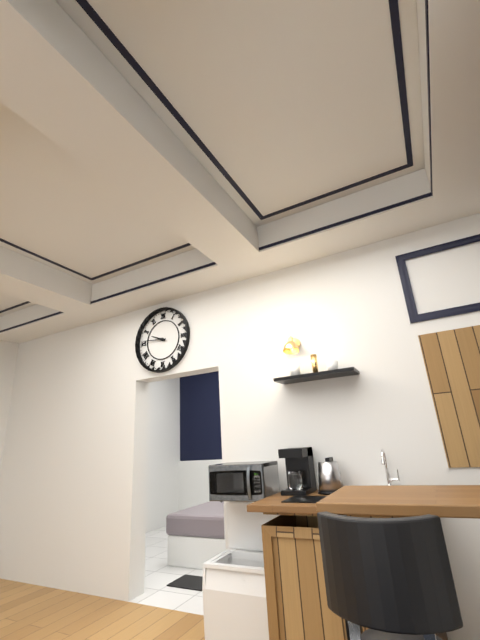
9:46
